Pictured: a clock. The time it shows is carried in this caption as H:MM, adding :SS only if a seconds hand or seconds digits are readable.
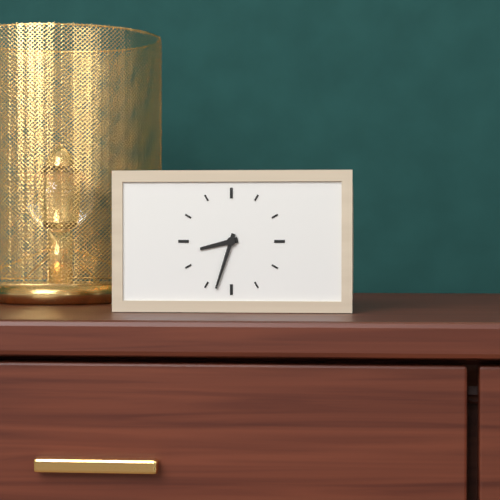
8:33
